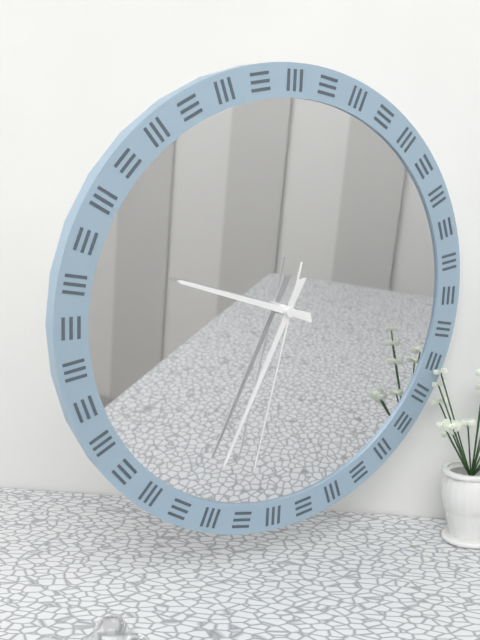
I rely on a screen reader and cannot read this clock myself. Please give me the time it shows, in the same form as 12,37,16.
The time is 9,34,32
